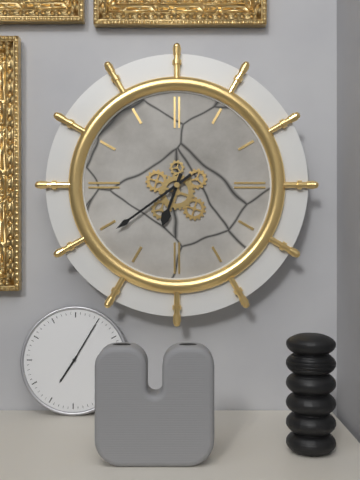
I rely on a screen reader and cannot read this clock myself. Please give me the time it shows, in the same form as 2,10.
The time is 6,39
